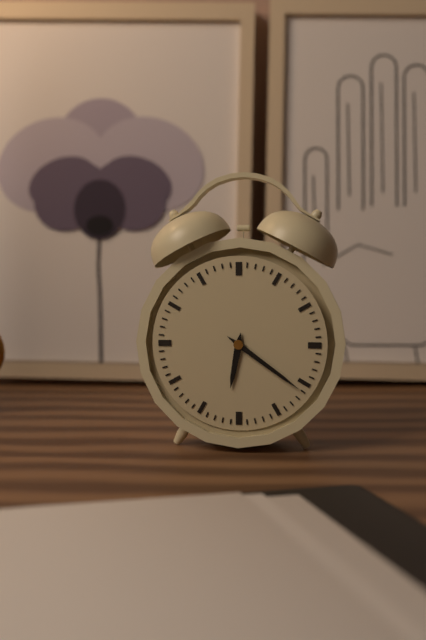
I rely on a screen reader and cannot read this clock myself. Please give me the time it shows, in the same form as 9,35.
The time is 6,21
